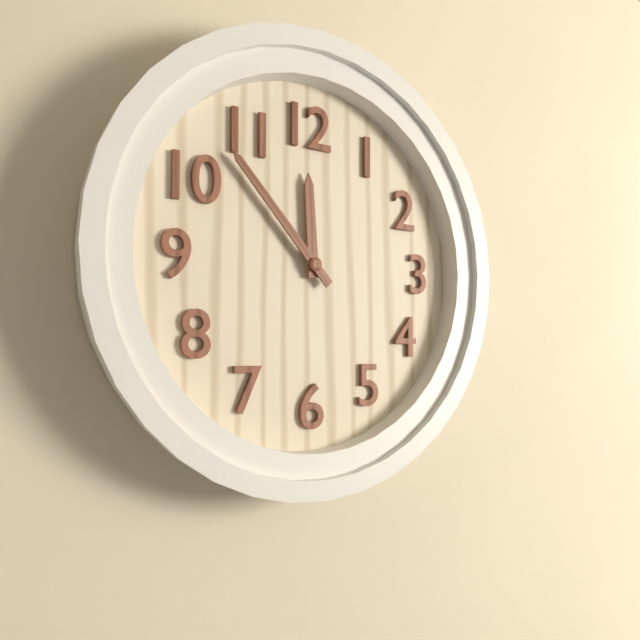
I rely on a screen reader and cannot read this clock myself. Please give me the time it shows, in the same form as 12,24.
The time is 11,53
